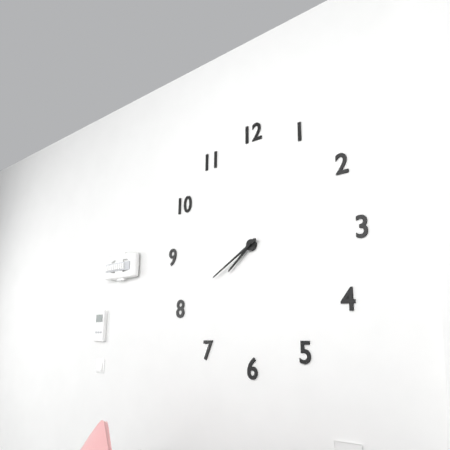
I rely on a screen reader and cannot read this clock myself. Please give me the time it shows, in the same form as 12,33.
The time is 7,40
